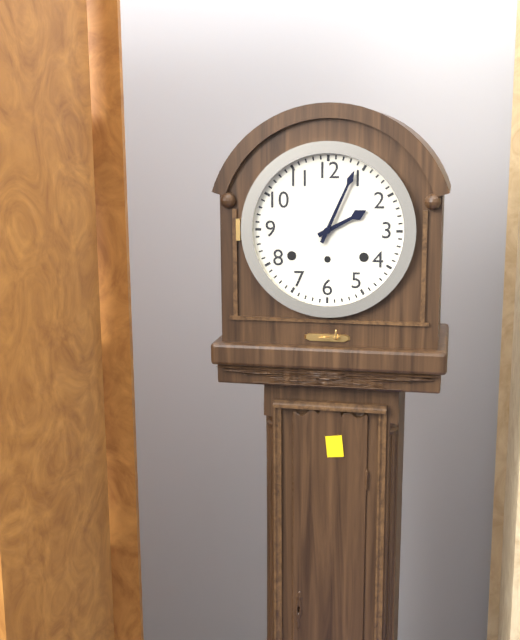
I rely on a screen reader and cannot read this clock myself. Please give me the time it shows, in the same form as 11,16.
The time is 2,04
